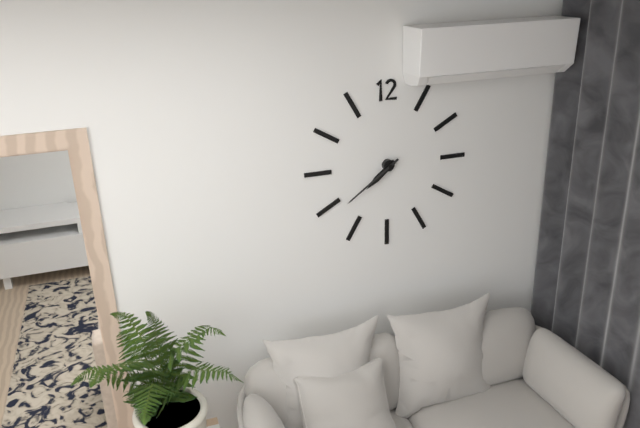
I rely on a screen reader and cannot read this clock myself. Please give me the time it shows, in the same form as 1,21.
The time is 7,39
